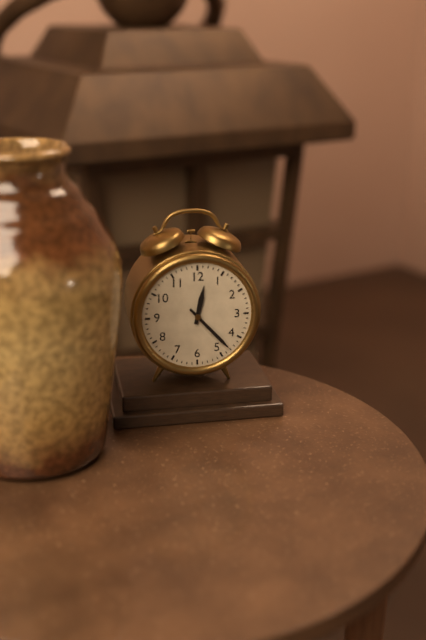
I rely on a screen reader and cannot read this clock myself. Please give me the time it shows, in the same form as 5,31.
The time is 12,23
